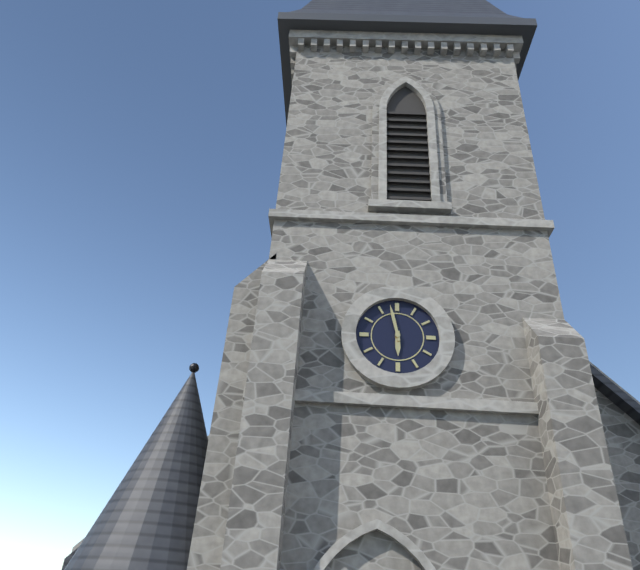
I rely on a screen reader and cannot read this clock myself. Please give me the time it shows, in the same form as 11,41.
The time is 5,58
